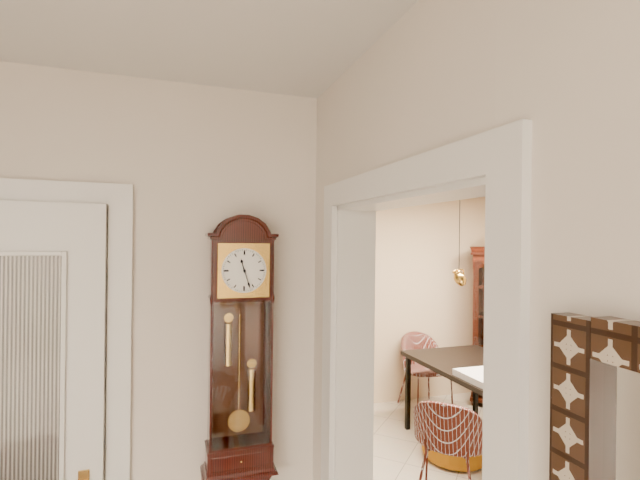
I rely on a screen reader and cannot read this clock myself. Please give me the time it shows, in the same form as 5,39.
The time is 11,27
